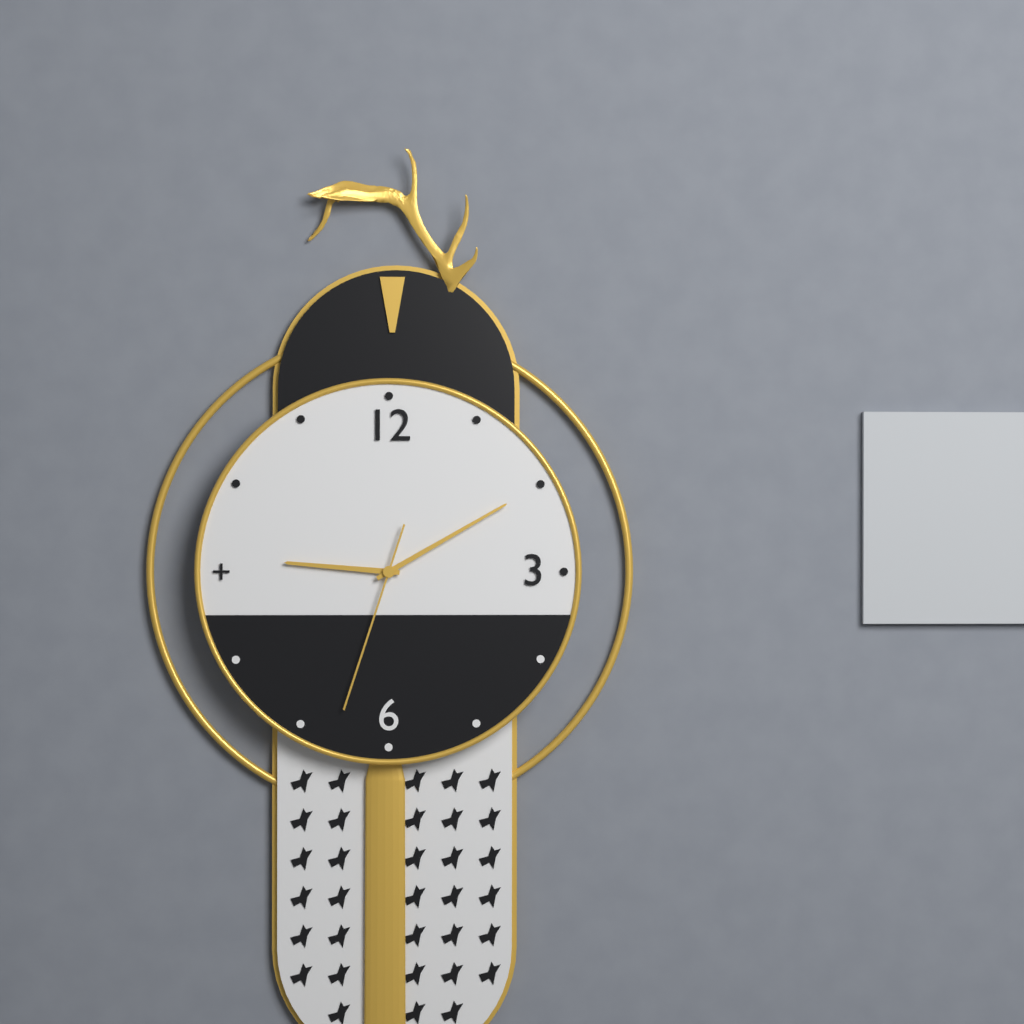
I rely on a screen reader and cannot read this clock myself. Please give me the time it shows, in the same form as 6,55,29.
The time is 9,10,33
